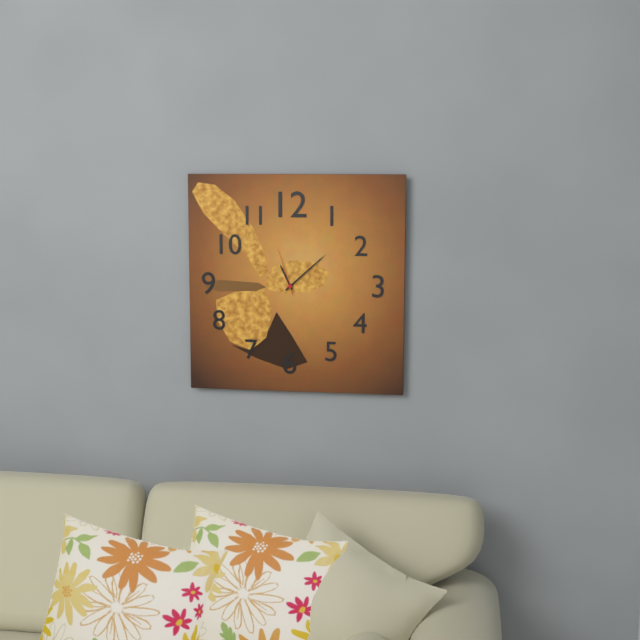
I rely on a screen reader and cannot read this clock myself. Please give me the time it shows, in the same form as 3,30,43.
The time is 11,08,57
